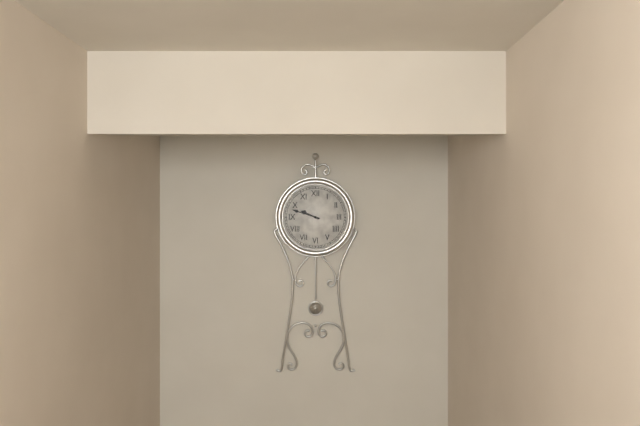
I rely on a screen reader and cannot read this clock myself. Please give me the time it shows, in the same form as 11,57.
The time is 9,48
